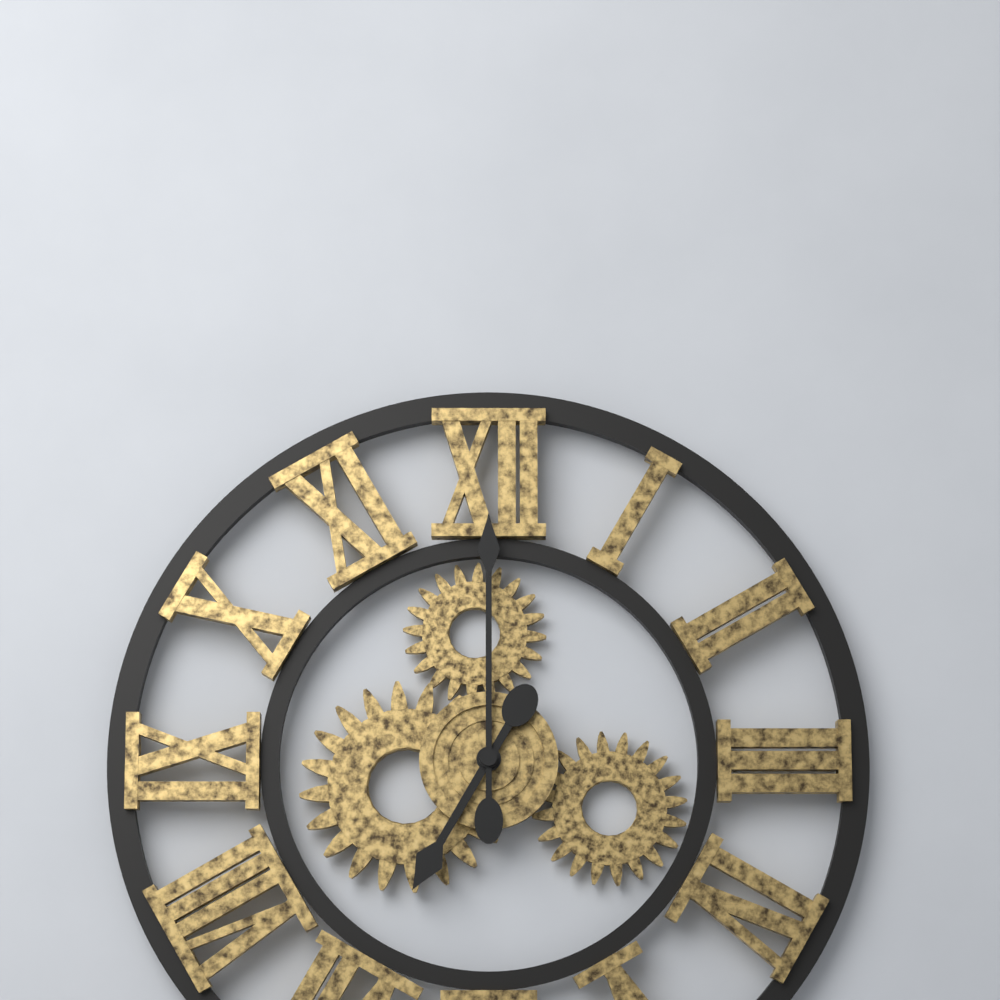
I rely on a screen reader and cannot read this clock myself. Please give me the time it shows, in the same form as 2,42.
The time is 7,00
